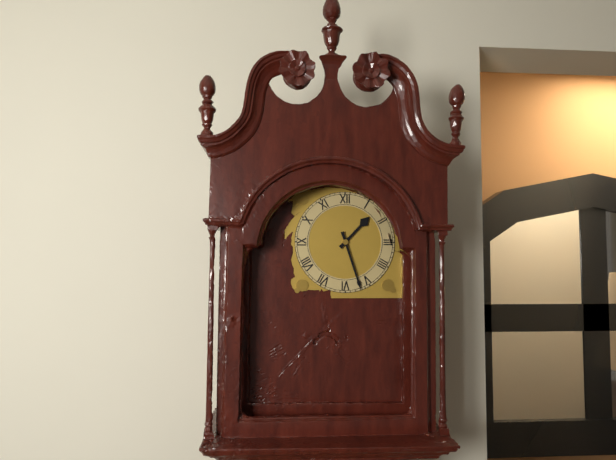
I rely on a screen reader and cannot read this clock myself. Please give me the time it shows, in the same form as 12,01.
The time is 1,27
